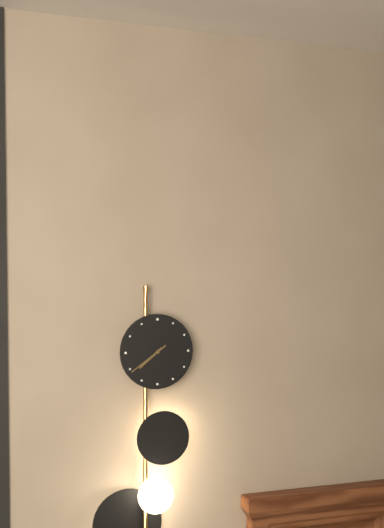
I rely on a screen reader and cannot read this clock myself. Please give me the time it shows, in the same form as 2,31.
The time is 7,39
